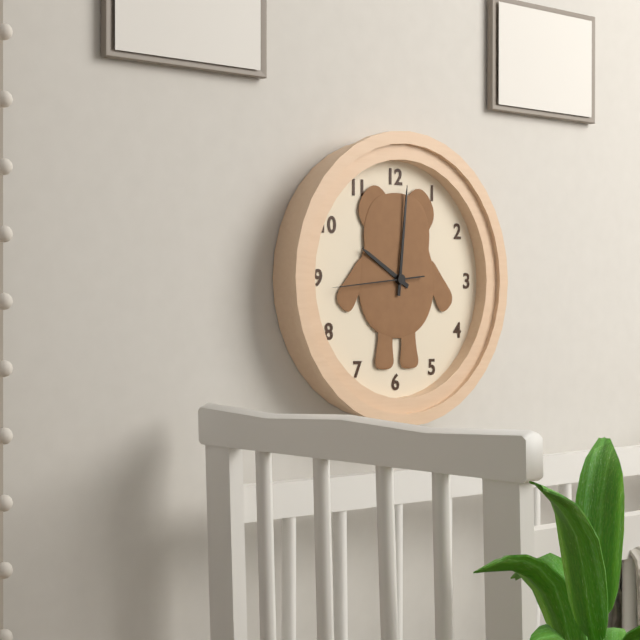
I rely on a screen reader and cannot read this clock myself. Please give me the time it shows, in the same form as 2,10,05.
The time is 10,01,44
